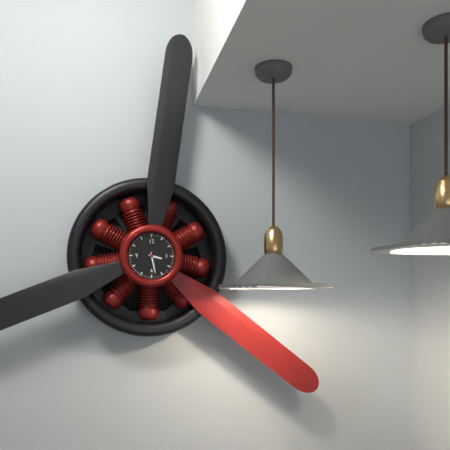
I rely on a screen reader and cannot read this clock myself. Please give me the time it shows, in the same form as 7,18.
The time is 3,28
